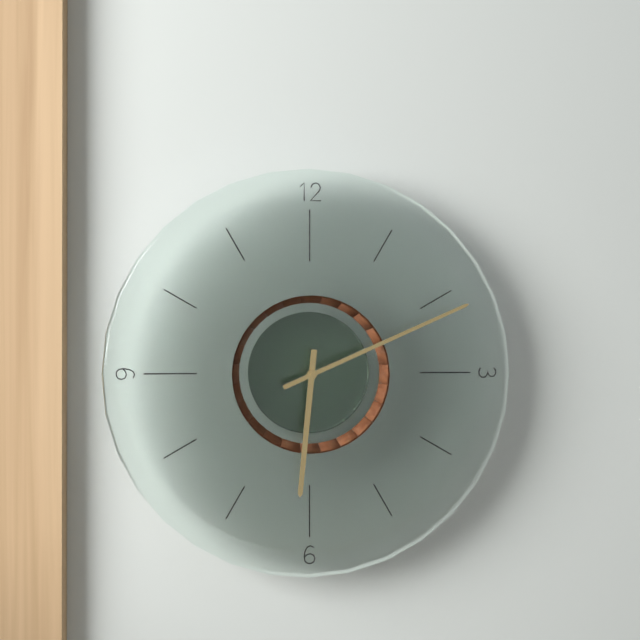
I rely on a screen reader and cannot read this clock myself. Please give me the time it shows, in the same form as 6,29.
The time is 6,11
